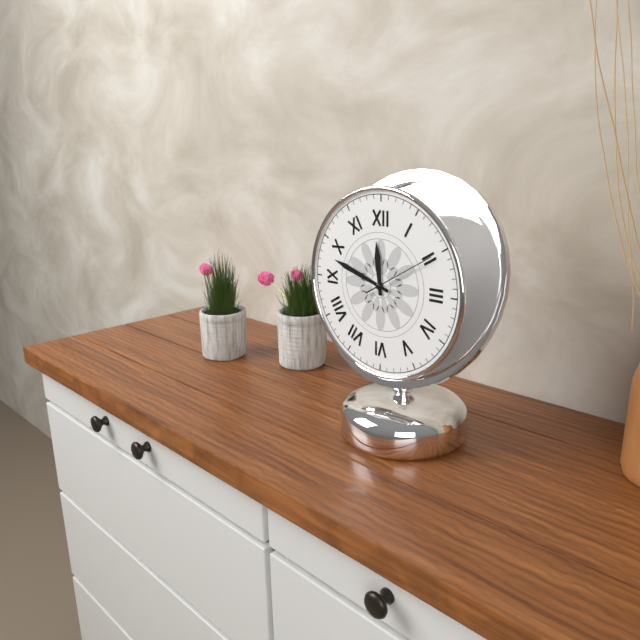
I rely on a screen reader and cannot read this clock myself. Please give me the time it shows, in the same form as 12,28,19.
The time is 11,48,10
